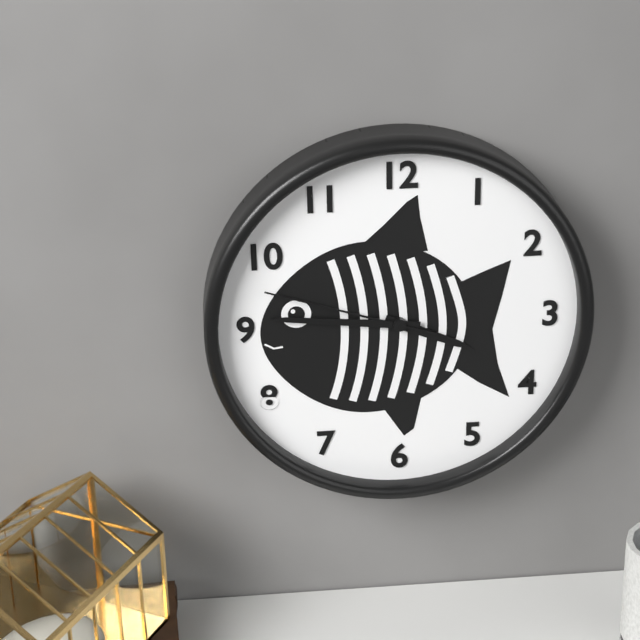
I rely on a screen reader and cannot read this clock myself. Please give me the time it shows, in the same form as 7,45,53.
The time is 3,46,48
